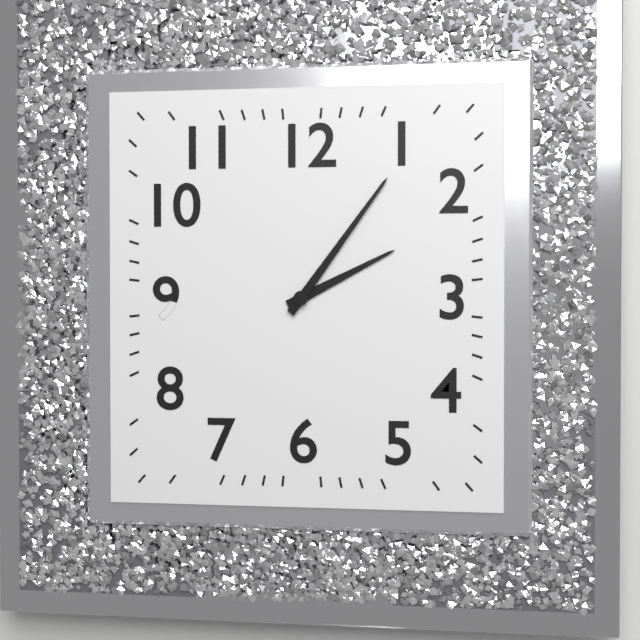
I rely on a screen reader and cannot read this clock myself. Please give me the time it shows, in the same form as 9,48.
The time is 2,06
